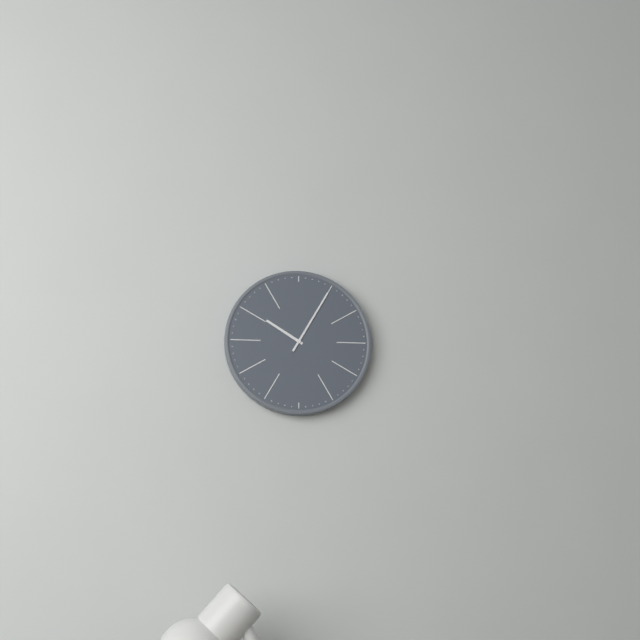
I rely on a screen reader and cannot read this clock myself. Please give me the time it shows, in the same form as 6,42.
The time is 10,05
